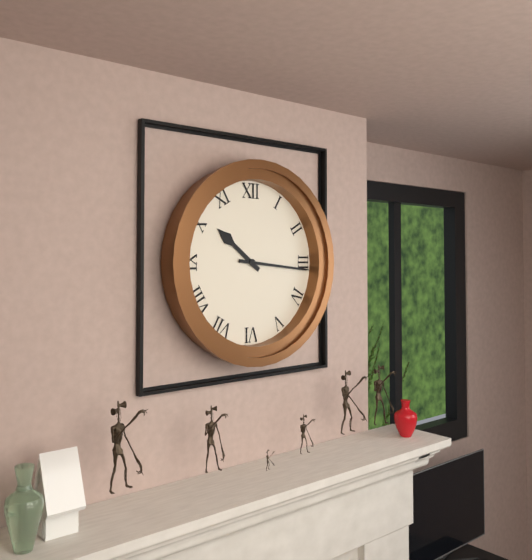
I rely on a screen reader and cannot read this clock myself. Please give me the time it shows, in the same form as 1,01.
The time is 10,16
